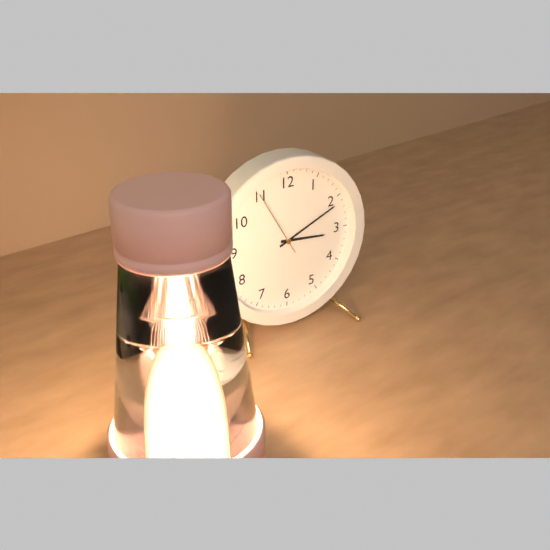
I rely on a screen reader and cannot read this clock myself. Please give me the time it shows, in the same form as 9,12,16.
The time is 3,11,55
